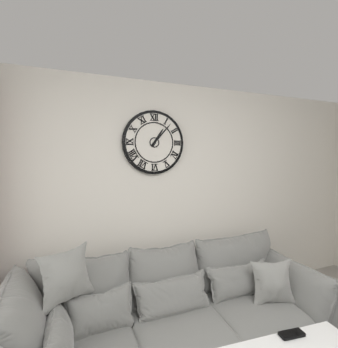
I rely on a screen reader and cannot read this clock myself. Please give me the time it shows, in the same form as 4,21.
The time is 1,07
